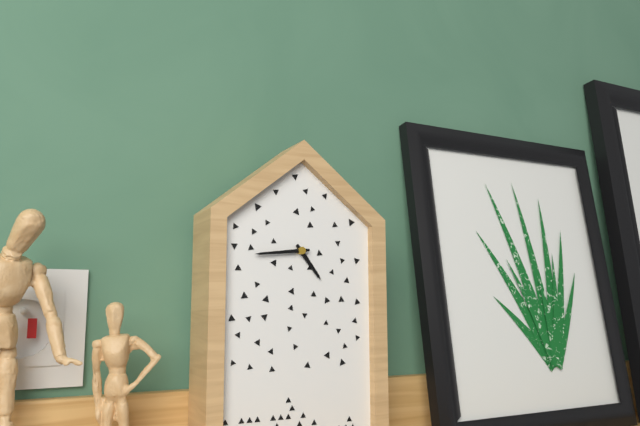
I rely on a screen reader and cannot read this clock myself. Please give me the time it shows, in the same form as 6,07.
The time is 4,44
